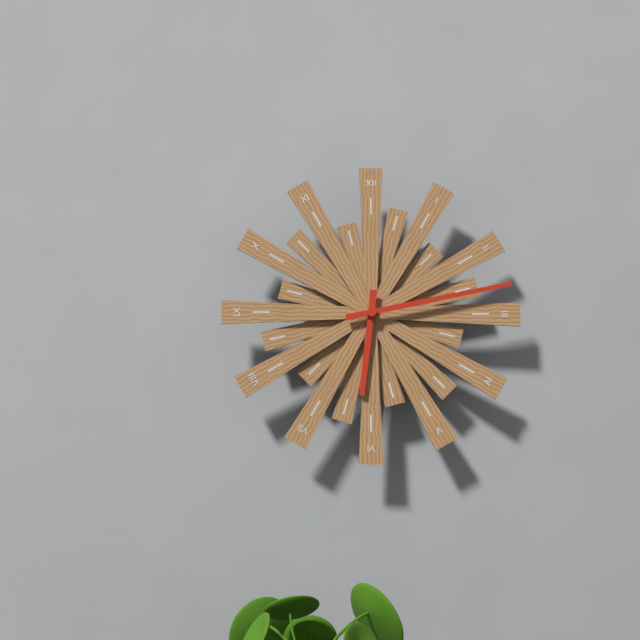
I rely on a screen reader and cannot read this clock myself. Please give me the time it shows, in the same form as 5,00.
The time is 6,13
